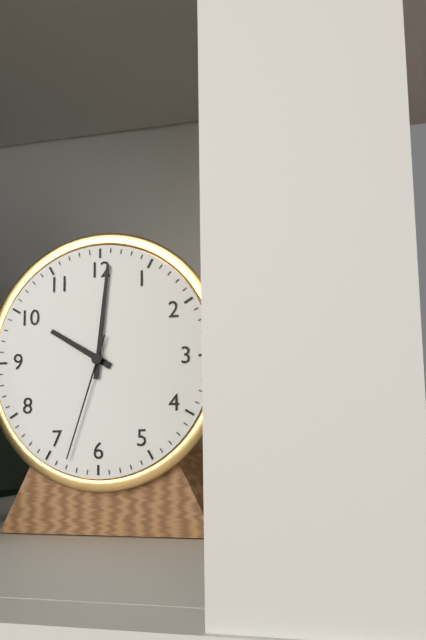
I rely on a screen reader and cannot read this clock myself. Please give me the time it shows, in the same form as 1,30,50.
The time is 10,01,33
